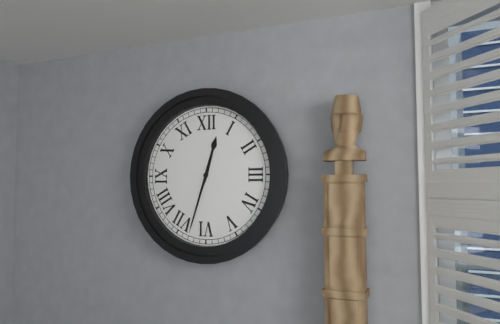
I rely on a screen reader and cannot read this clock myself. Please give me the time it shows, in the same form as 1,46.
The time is 12,33
